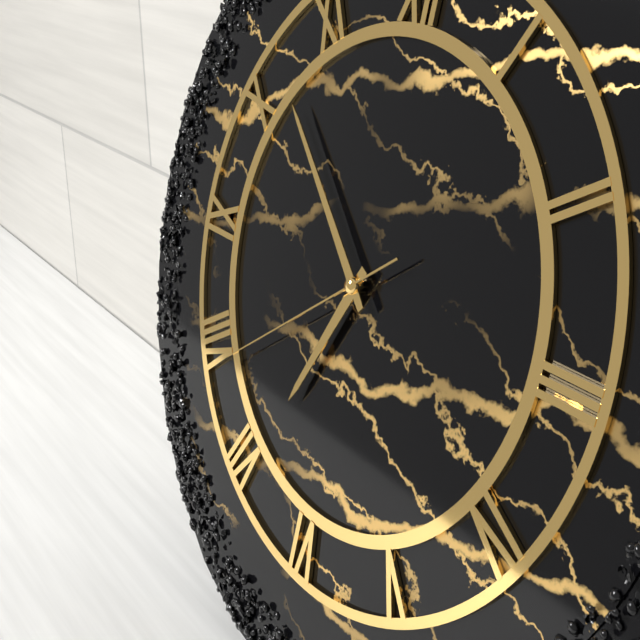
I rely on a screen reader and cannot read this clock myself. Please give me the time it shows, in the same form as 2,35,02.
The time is 6,52,39
